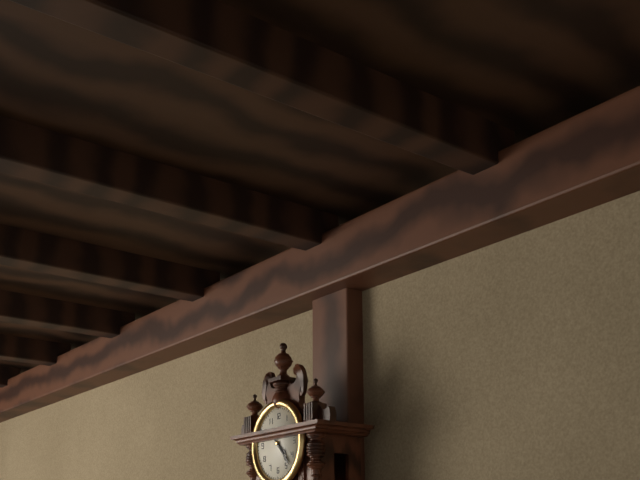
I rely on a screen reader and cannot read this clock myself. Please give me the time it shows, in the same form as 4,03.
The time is 4,23
